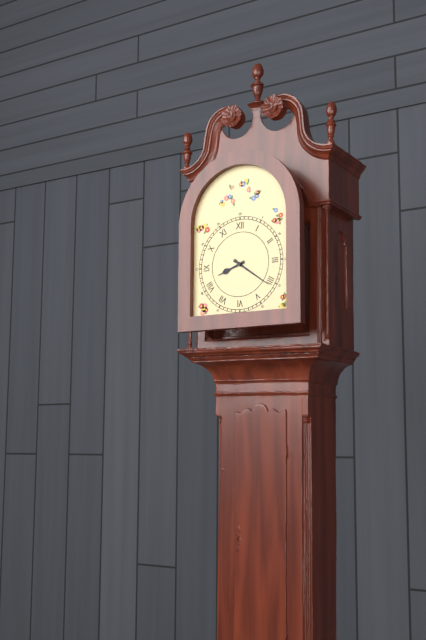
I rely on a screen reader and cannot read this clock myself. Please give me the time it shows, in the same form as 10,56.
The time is 8,21
